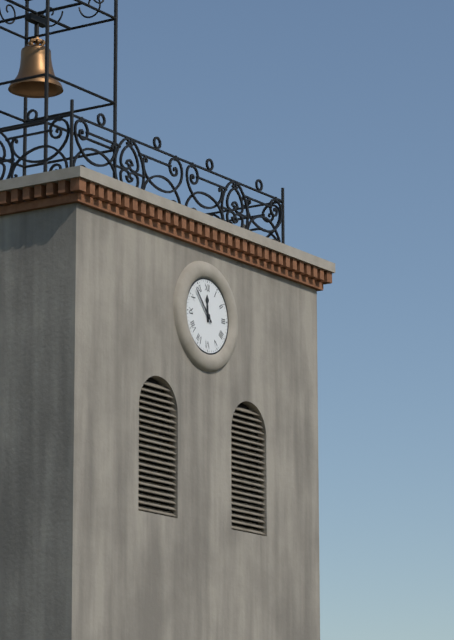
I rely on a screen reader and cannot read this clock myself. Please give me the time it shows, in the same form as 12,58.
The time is 11,53
